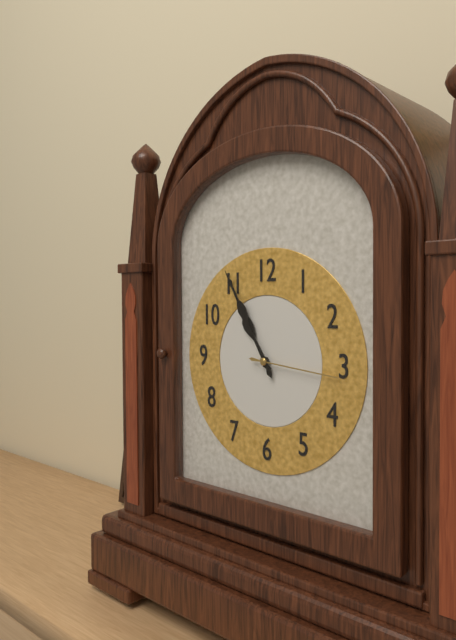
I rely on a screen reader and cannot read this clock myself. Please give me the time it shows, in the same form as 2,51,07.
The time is 10,55,16
